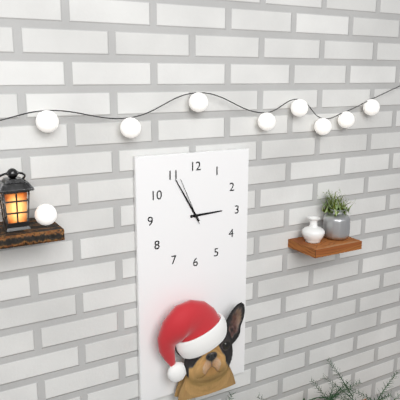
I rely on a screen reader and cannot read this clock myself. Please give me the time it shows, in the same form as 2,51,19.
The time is 2,55,56
